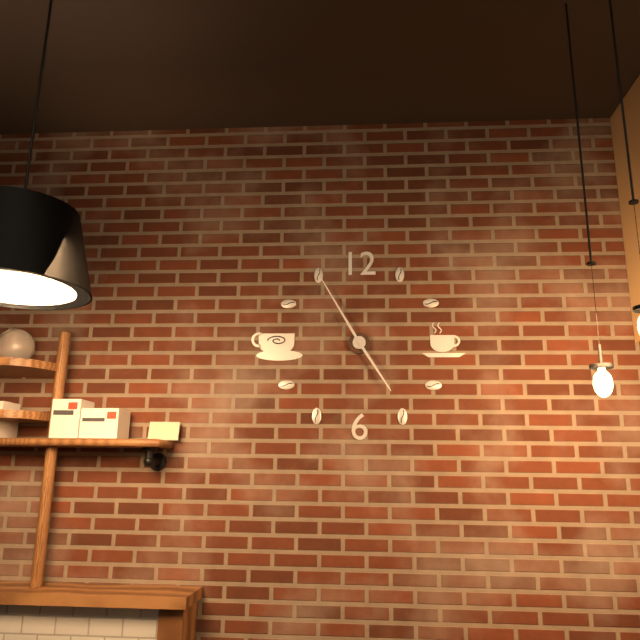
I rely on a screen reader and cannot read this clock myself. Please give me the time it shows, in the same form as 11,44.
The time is 4,55
